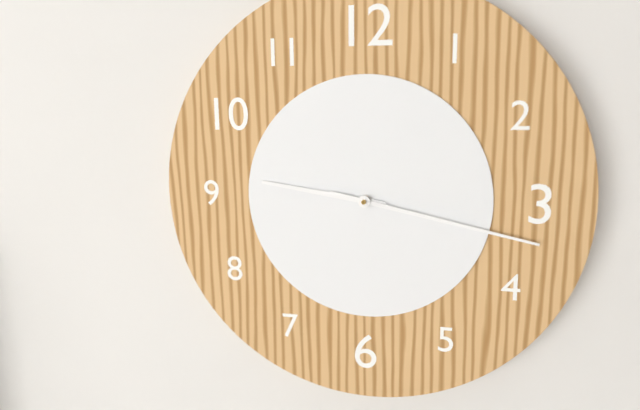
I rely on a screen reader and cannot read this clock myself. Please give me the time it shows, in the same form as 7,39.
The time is 9,17
